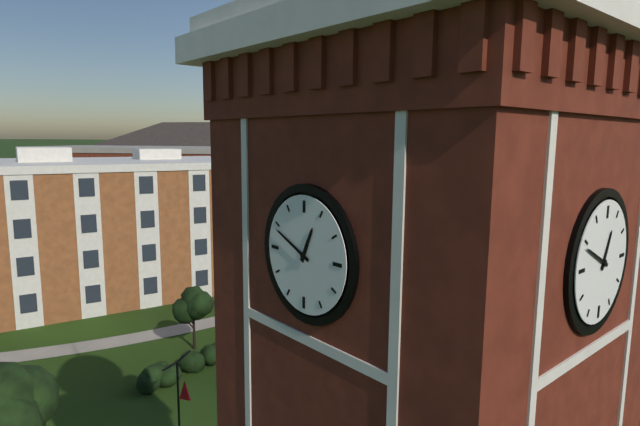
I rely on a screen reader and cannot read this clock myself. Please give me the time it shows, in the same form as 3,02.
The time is 12,49
